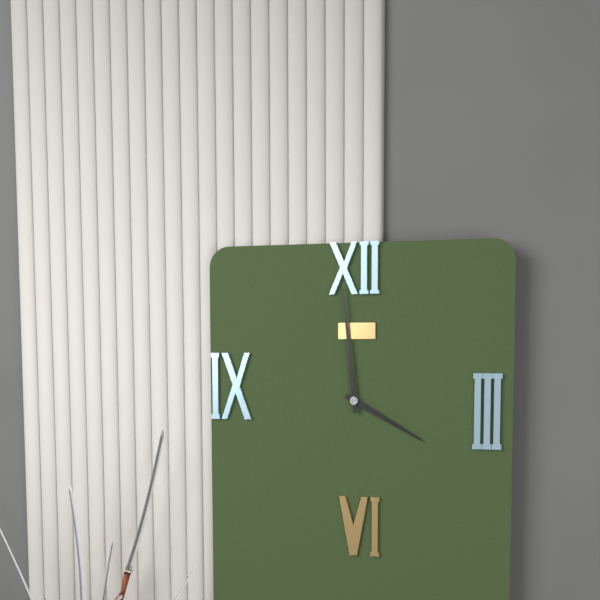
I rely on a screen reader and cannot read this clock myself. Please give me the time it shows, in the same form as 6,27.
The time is 3,59
